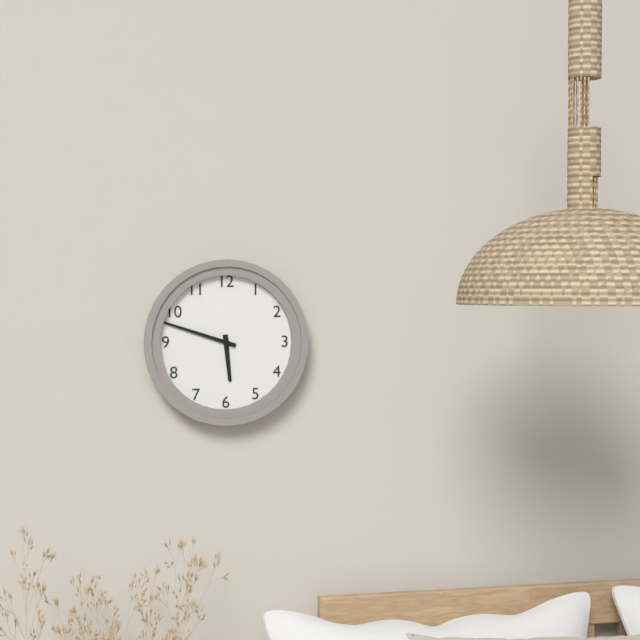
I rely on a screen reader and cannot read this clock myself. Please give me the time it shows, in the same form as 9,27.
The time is 5,48
